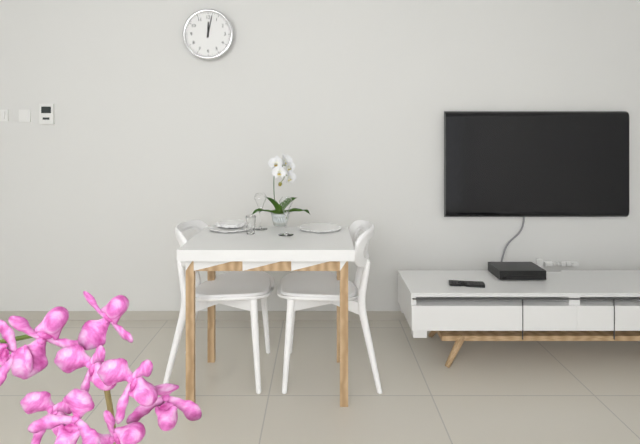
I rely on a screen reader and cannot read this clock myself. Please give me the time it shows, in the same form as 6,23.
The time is 12,02
